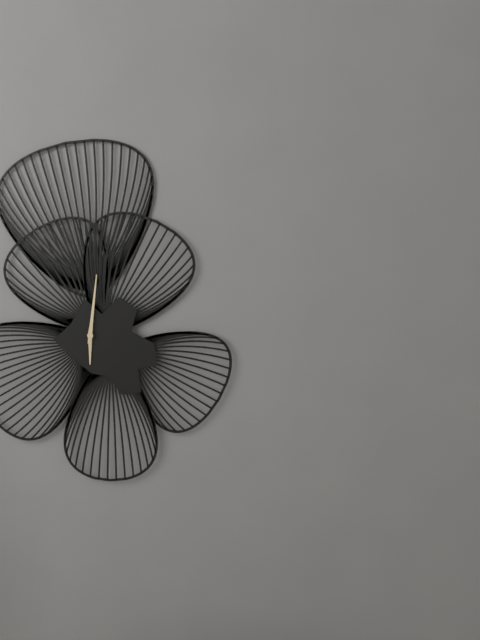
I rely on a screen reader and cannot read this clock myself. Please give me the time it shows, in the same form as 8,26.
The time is 6,01
